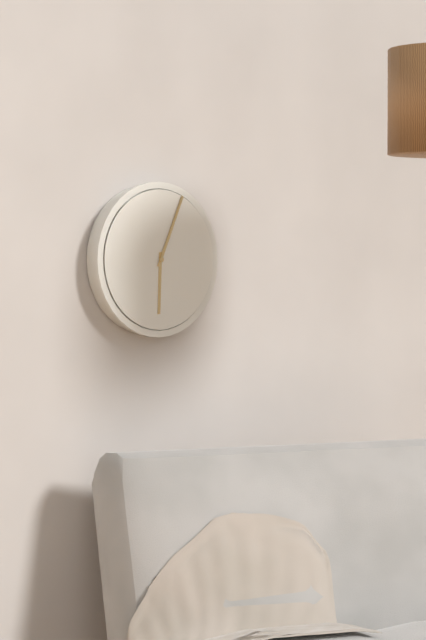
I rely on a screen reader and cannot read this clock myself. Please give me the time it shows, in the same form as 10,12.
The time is 6,04
